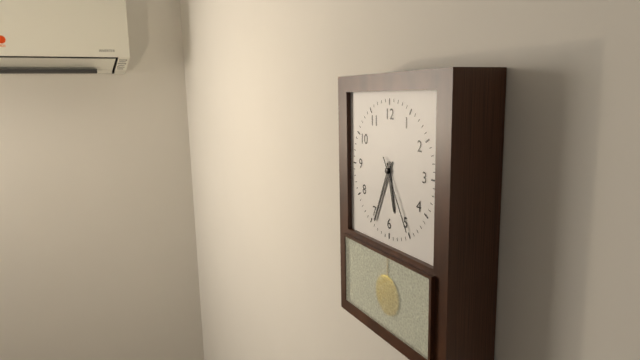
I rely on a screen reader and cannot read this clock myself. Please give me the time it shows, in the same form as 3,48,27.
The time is 5,34,25
